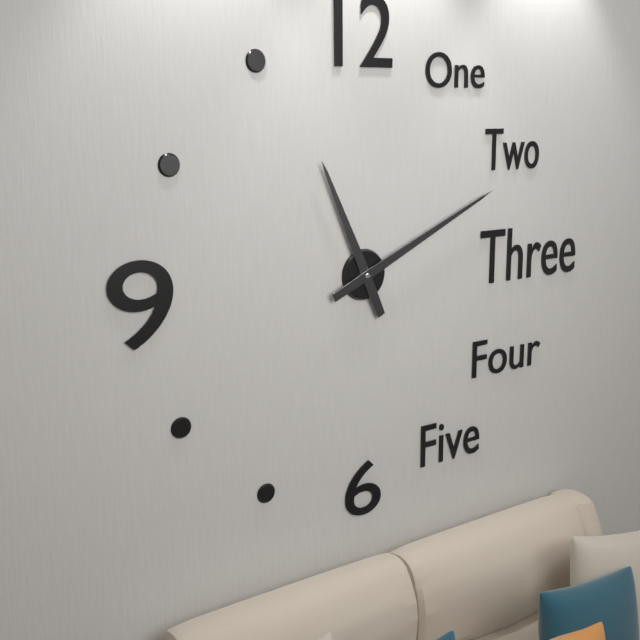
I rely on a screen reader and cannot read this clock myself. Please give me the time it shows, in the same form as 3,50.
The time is 11,11
